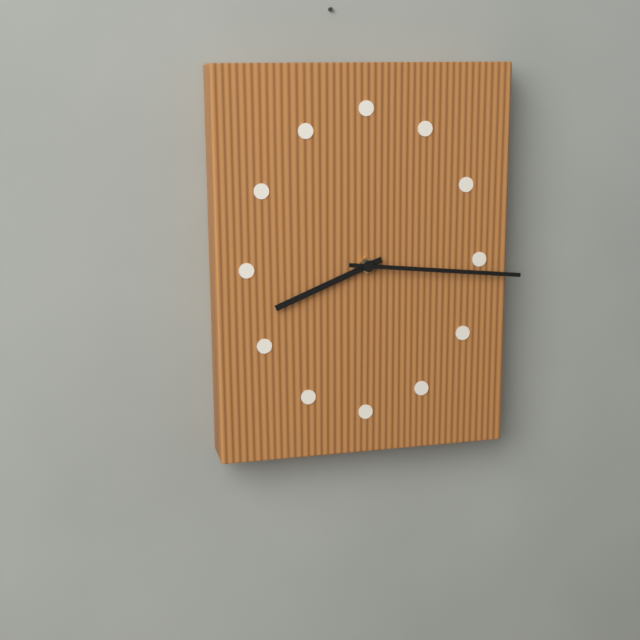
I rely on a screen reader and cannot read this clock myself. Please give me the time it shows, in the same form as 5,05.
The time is 8,16
